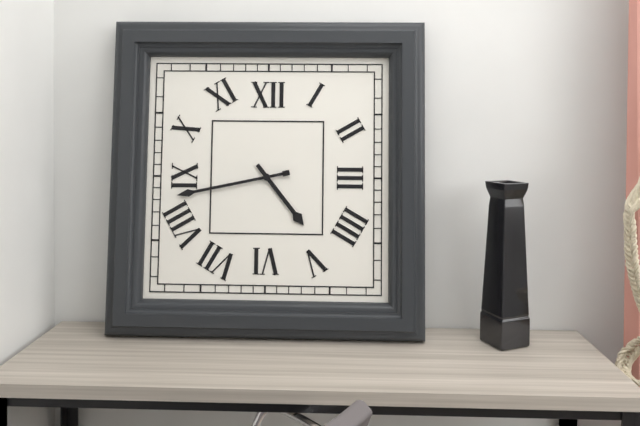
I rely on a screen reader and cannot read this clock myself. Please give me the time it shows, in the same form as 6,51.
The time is 4,43
